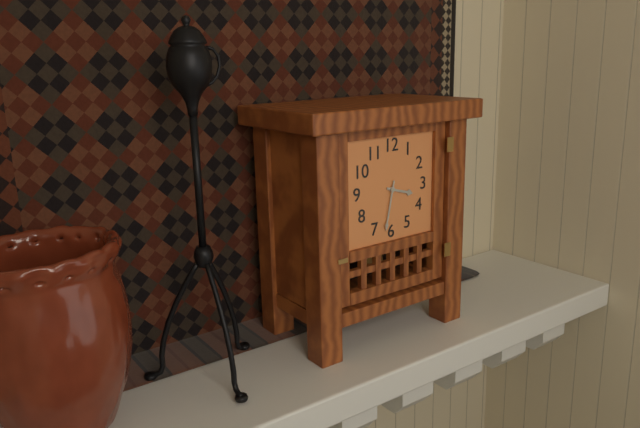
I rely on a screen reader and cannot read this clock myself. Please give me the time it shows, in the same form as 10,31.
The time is 3,32
